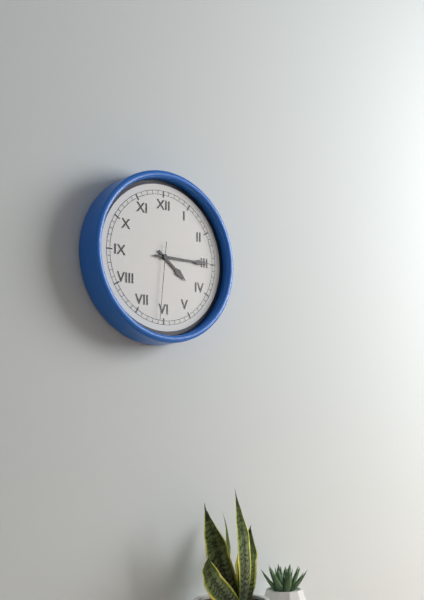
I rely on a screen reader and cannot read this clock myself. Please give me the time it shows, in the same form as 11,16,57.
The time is 4,15,31
